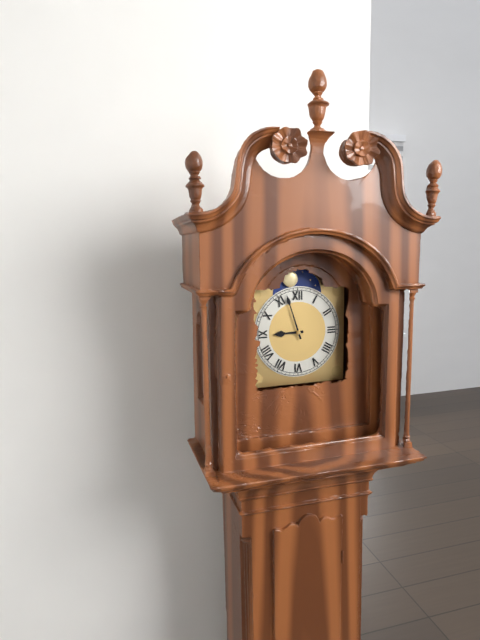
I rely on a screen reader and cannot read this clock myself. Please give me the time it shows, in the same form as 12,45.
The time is 8,57
